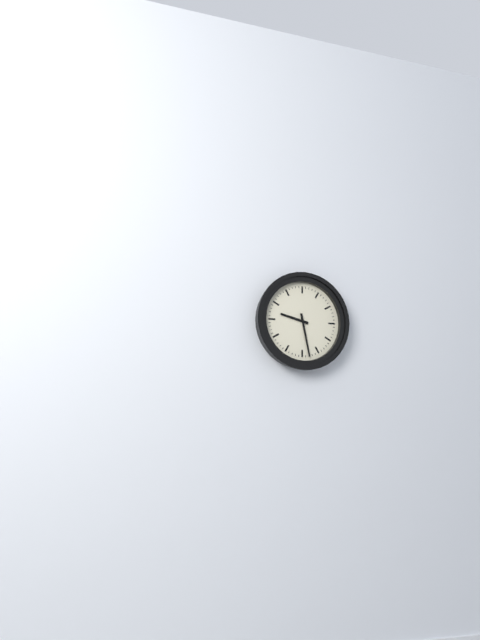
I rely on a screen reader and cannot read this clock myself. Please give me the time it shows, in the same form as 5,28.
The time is 9,28
